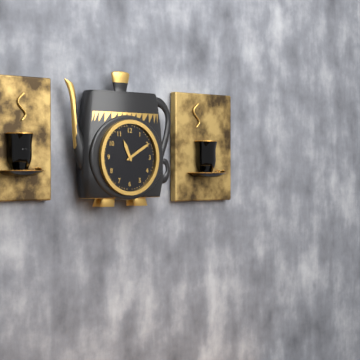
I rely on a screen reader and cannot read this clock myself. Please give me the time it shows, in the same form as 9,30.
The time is 11,10
